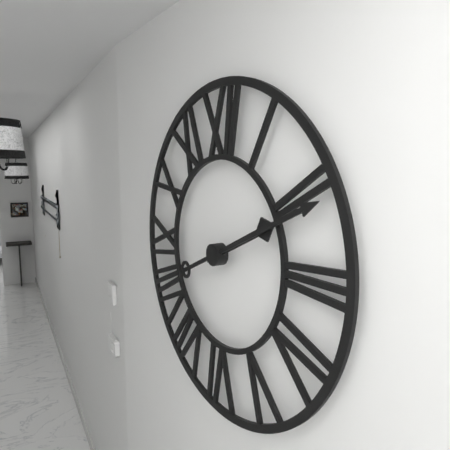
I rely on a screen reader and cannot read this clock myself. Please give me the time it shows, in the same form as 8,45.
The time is 2,11
